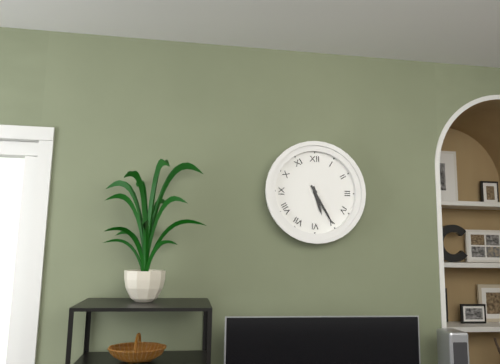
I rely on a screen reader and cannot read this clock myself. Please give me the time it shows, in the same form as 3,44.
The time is 5,25
